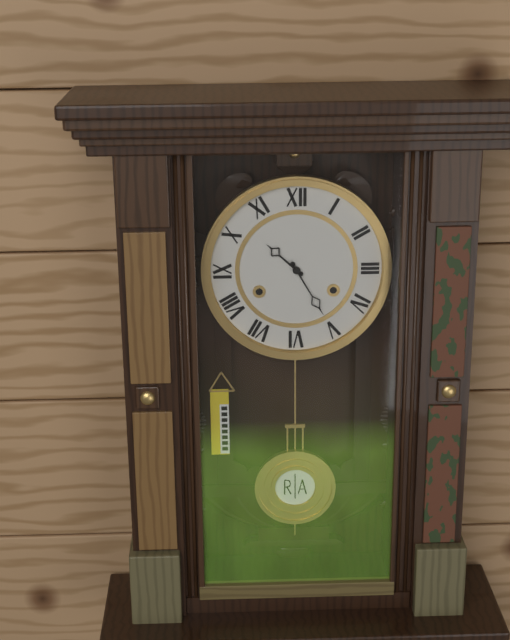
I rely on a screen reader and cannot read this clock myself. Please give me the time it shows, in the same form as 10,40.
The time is 10,25
